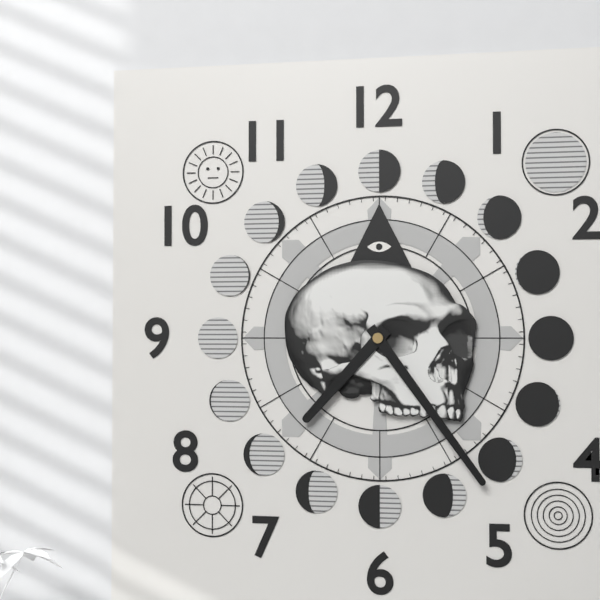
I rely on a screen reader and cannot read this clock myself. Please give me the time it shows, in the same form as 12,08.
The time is 7,24
